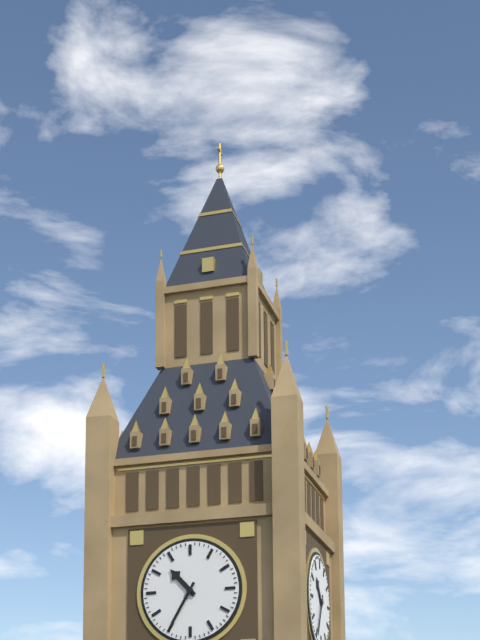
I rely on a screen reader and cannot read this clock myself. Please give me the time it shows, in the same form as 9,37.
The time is 10,35
